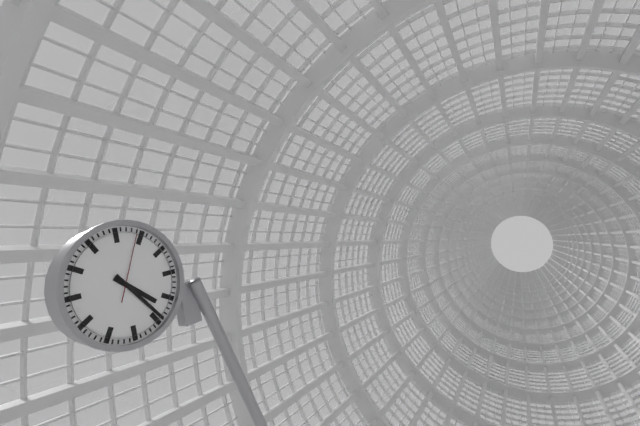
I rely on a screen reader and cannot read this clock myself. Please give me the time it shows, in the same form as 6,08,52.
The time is 4,24,04
